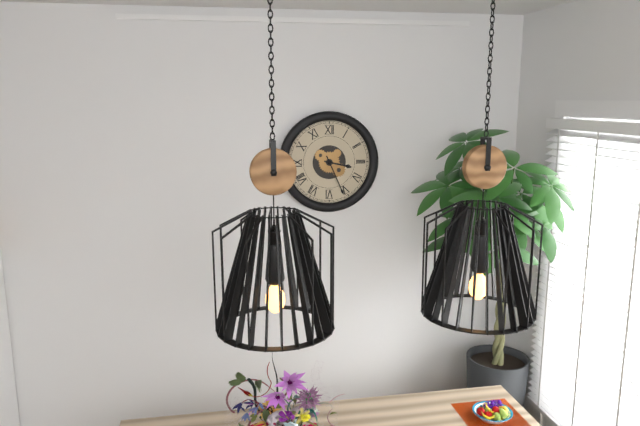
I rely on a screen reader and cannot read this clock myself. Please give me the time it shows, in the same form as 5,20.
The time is 3,26
